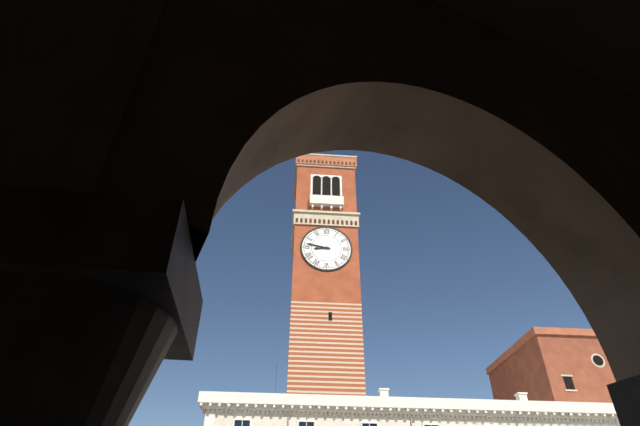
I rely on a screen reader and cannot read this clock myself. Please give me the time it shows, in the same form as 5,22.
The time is 8,47
